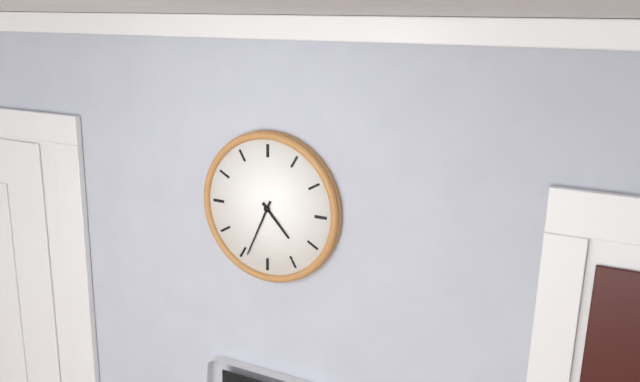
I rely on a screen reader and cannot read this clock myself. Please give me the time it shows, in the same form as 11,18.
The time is 4,34
